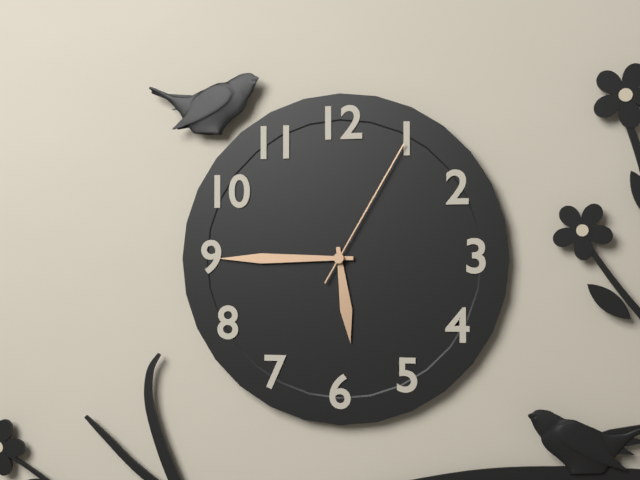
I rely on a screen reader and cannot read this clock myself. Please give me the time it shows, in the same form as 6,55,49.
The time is 5,45,05
